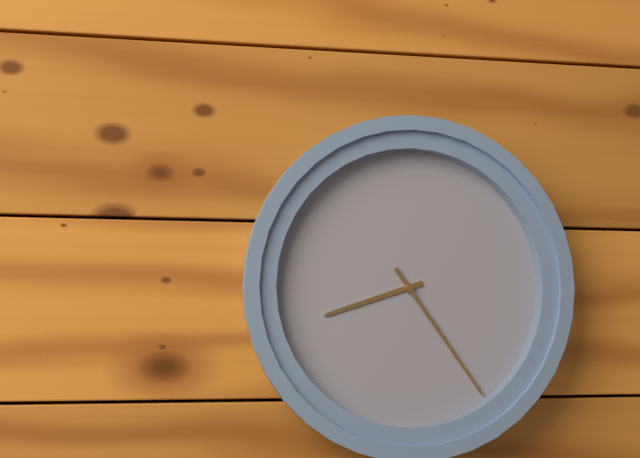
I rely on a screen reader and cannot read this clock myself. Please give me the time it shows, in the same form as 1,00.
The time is 8,24
